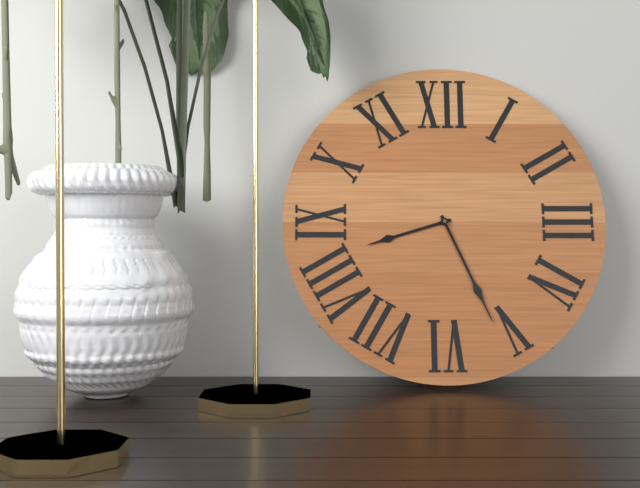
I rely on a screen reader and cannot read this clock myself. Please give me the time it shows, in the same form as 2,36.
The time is 8,26
